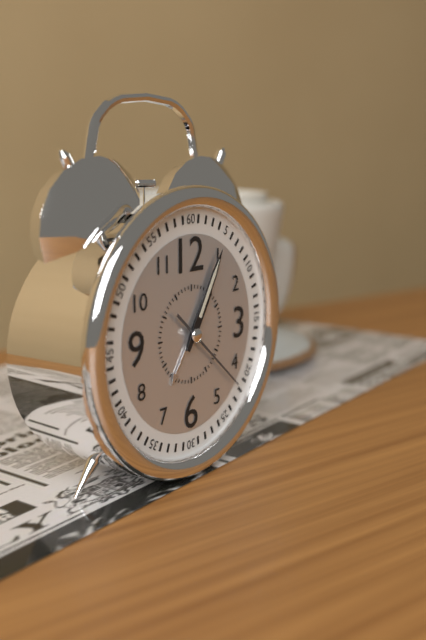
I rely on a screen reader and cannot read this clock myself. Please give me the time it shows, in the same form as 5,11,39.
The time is 1,05,22
